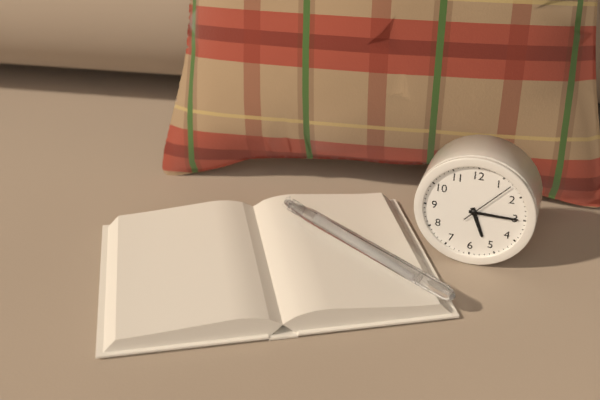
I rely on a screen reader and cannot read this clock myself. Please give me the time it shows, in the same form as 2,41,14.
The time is 5,15,07
